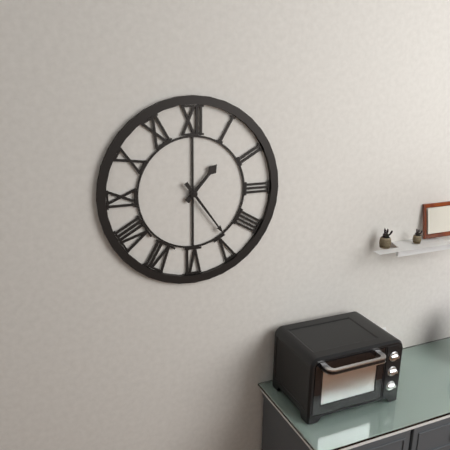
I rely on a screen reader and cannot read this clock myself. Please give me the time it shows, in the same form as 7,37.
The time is 1,24
